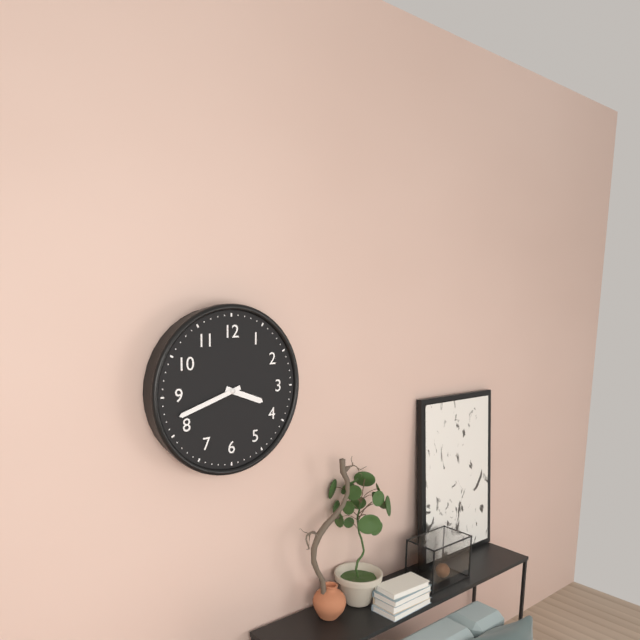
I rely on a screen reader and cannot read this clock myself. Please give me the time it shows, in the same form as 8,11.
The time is 3,42
